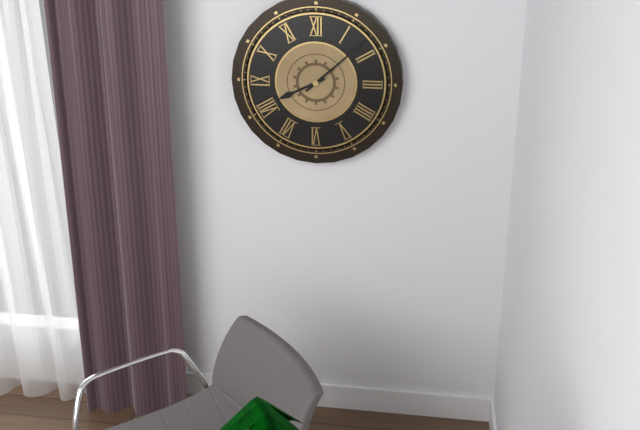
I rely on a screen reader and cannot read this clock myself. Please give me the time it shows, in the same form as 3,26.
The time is 8,08
